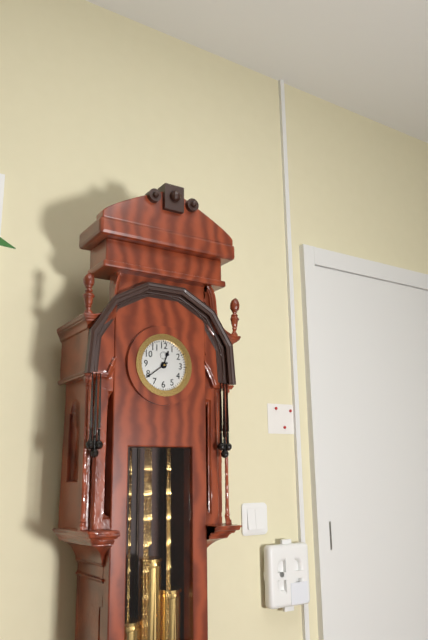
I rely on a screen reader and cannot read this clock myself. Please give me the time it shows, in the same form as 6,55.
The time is 12,39
